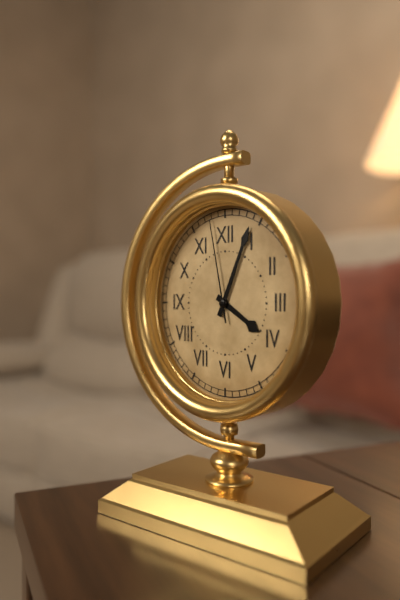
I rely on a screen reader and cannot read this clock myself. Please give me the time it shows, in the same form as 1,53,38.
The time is 4,04,58
